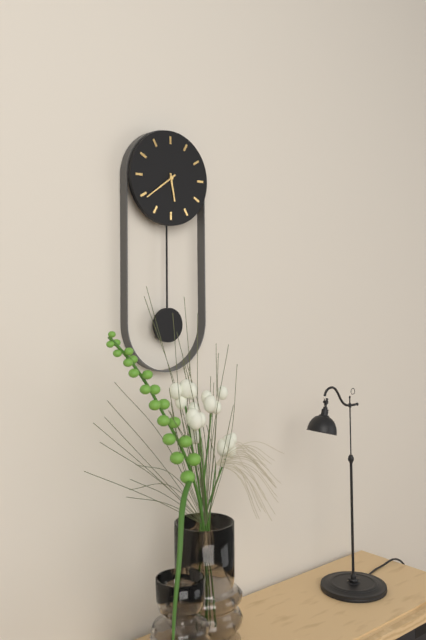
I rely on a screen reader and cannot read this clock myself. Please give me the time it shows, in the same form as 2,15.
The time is 5,39
